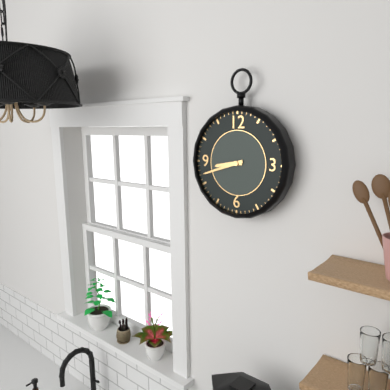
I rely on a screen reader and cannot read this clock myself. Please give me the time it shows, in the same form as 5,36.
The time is 8,42
